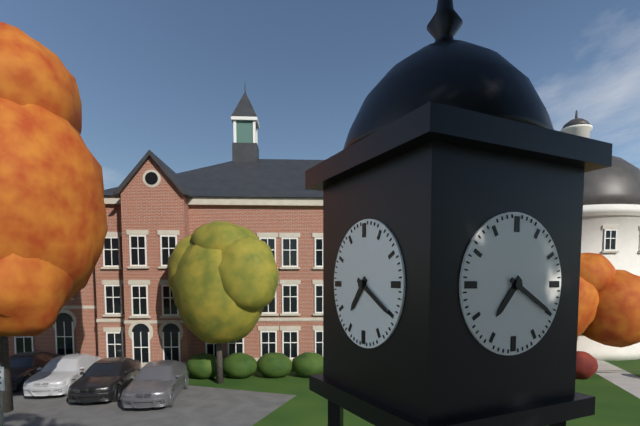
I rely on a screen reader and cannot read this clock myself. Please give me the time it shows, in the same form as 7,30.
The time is 7,20
